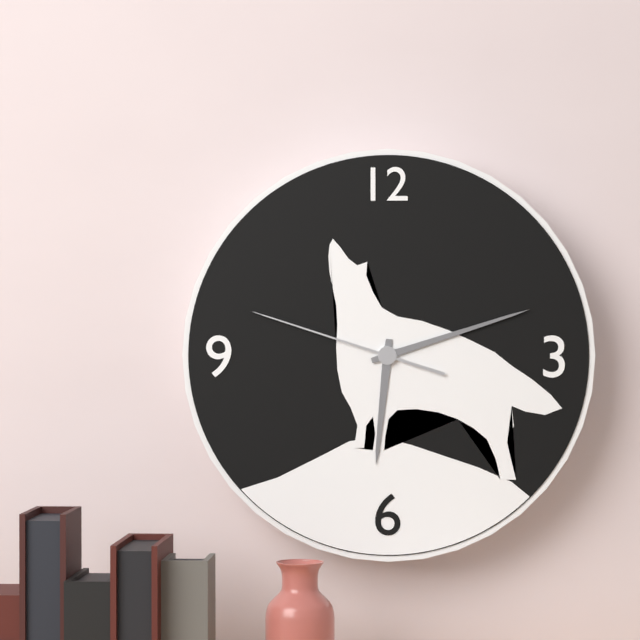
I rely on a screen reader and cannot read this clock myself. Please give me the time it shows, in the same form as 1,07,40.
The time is 6,12,48
